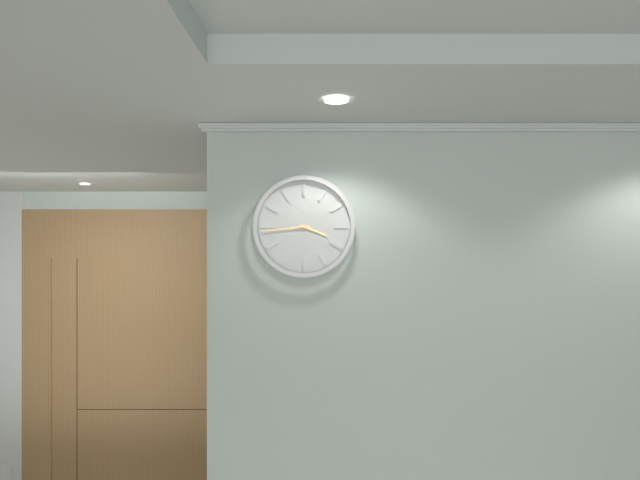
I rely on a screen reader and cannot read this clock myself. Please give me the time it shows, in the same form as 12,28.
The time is 3,44
